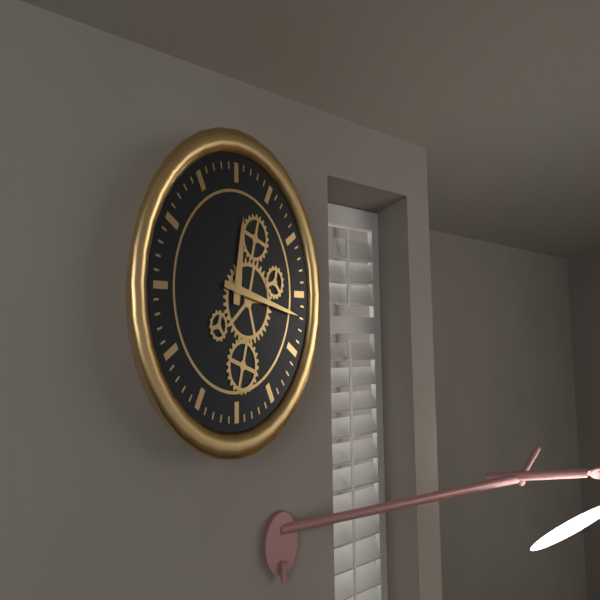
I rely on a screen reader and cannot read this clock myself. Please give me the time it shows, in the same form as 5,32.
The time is 12,17
